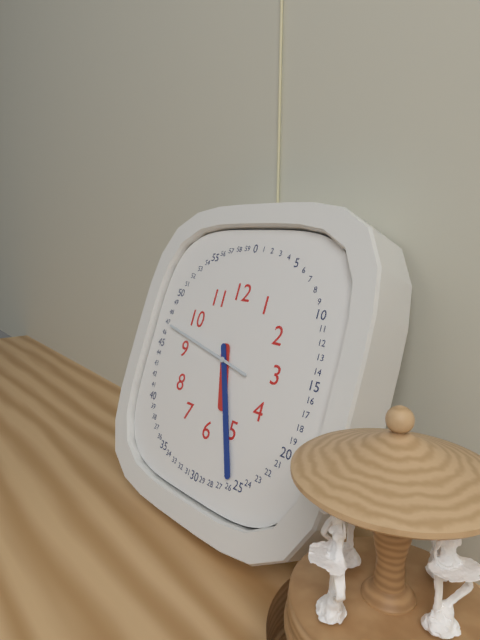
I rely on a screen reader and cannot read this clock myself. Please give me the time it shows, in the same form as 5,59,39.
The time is 5,26,47
